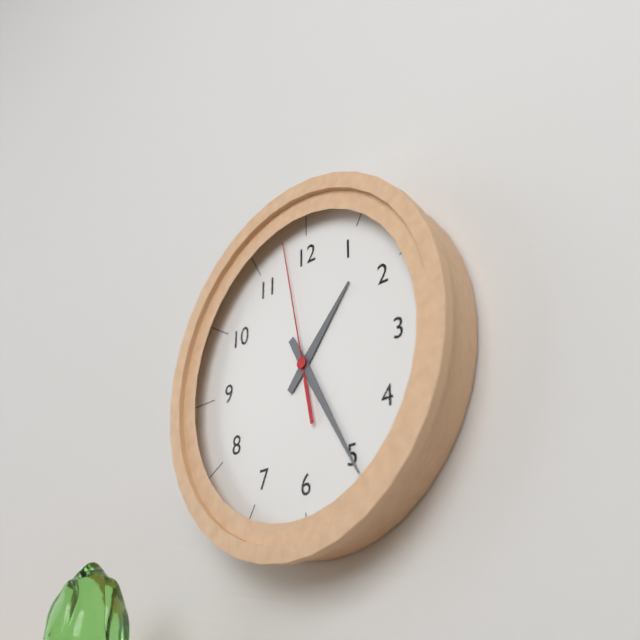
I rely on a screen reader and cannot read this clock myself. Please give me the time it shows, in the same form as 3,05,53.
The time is 1,25,58
